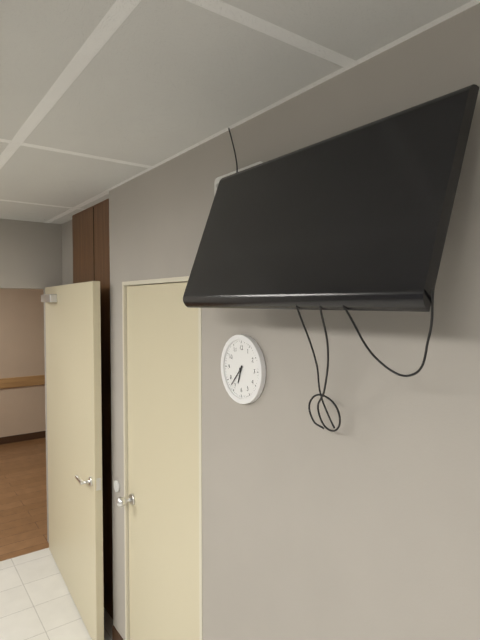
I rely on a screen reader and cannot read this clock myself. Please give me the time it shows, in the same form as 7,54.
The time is 6,37
